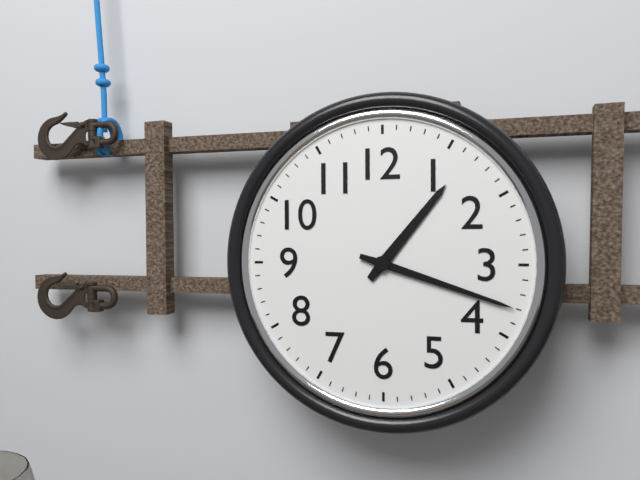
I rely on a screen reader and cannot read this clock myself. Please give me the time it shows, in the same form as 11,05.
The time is 1,18
